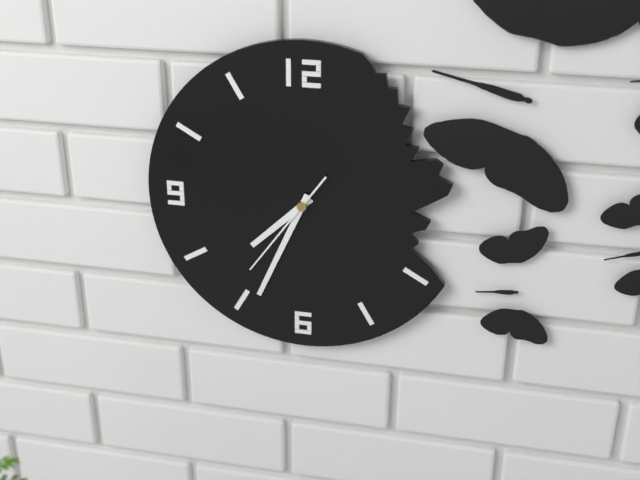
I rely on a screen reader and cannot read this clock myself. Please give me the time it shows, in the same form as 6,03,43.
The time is 7,34,36
